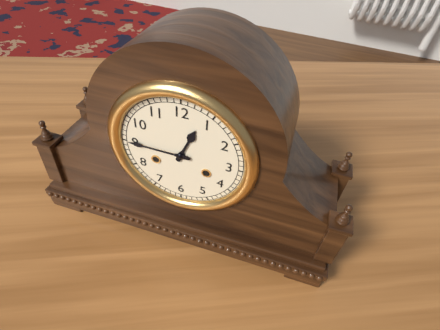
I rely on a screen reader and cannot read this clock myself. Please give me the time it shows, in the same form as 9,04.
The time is 12,45
